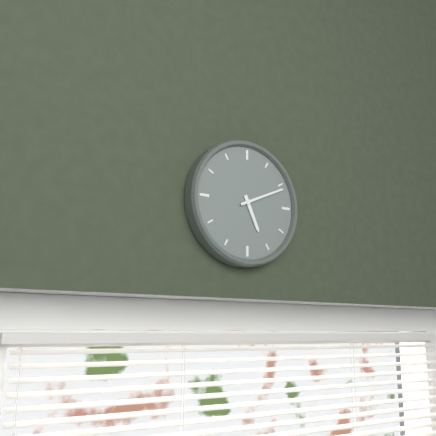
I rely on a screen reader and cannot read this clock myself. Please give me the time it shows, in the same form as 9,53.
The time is 5,11
